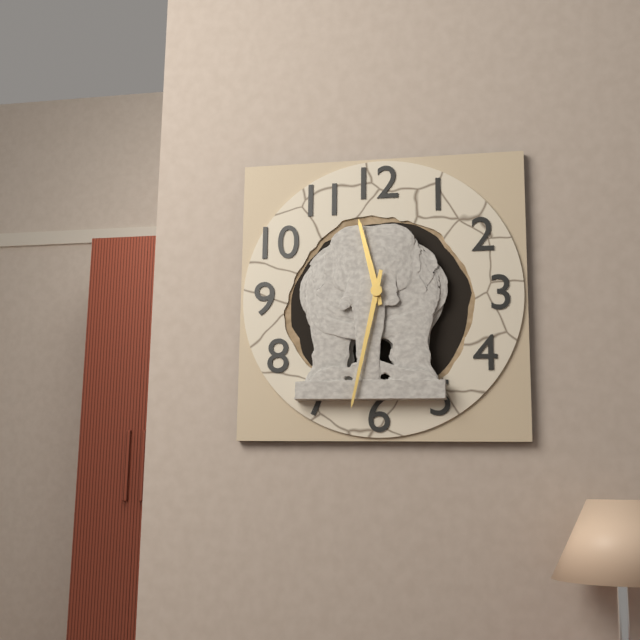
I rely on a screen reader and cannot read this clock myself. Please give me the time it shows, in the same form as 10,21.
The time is 11,32
